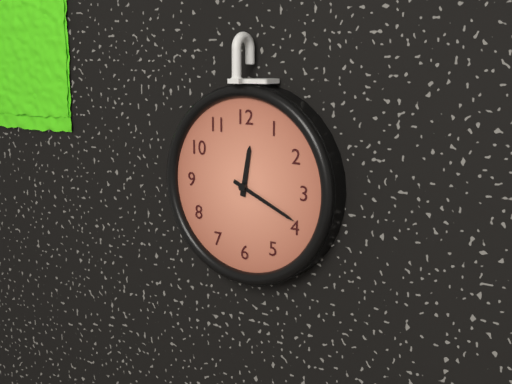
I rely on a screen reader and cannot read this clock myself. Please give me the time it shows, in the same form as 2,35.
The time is 12,19
